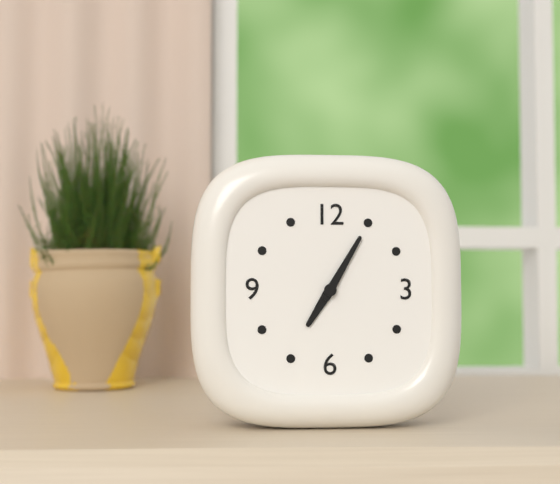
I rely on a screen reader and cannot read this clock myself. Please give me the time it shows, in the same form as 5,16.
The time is 7,05
